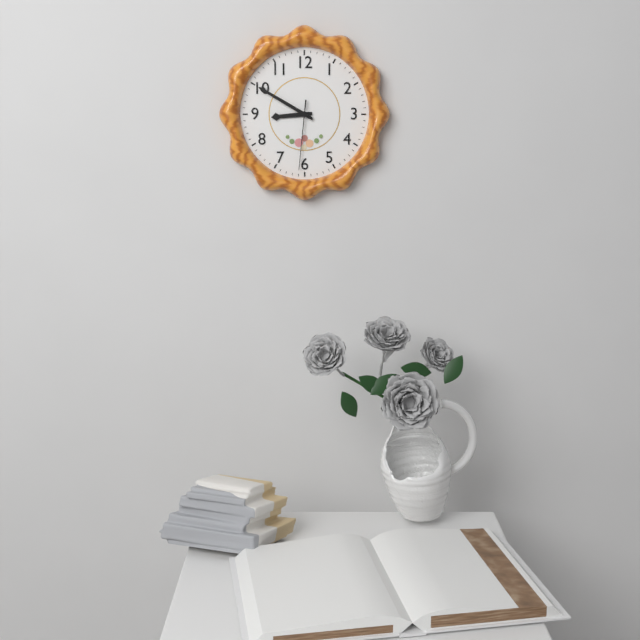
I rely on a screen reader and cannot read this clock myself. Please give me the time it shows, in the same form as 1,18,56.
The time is 8,50,31
